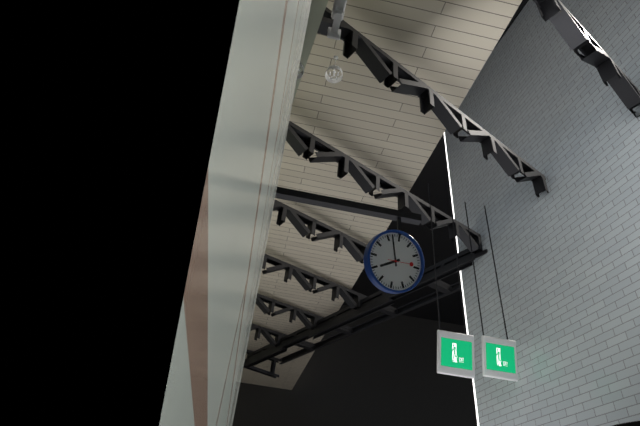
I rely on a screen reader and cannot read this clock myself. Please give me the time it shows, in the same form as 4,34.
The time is 7,57
